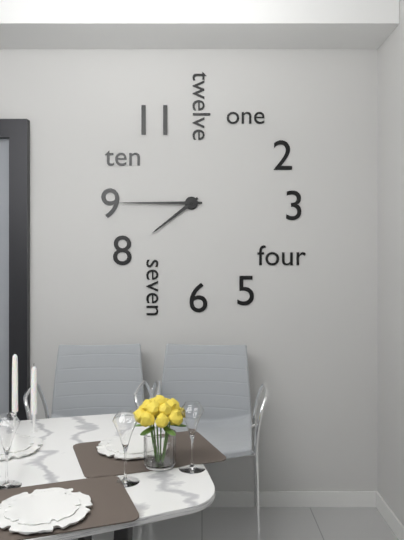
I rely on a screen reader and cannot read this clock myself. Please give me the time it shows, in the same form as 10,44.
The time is 7,45
